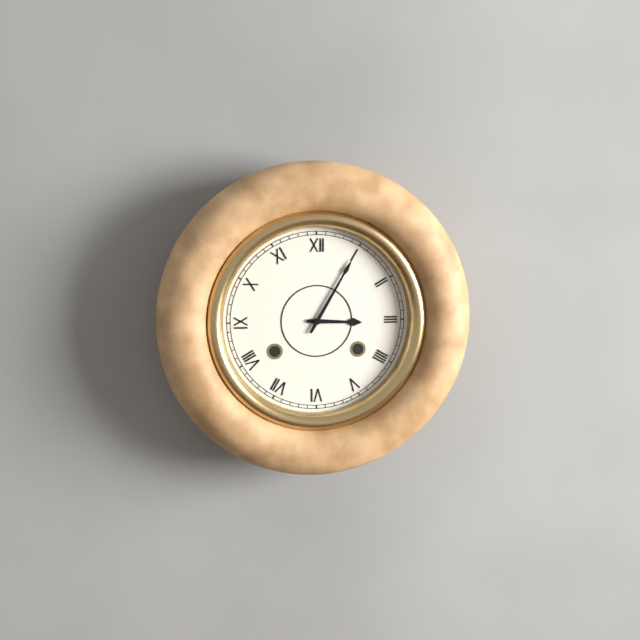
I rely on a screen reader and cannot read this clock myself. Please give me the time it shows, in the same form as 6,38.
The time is 3,05
